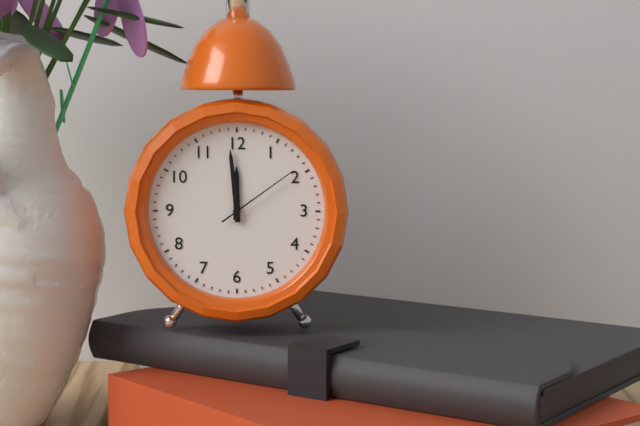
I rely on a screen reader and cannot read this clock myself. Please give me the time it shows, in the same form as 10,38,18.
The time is 11,59,09
